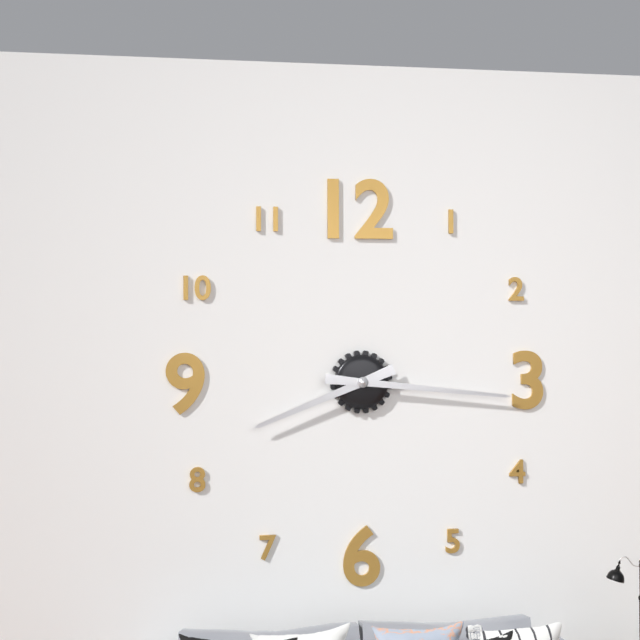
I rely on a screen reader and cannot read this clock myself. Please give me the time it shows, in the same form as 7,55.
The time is 8,16
